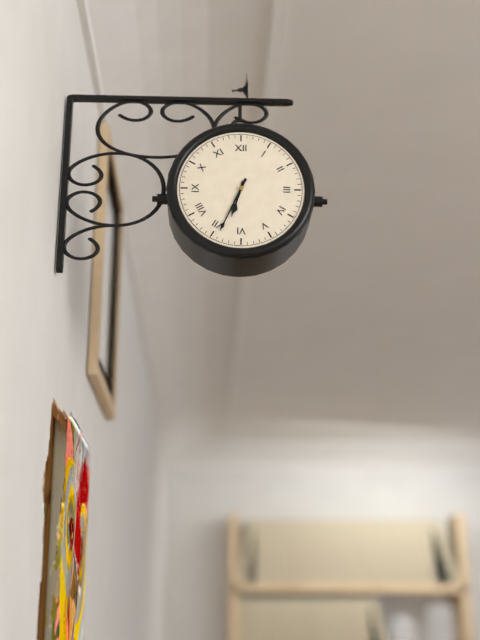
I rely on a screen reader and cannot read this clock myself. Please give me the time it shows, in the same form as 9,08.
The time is 6,34
